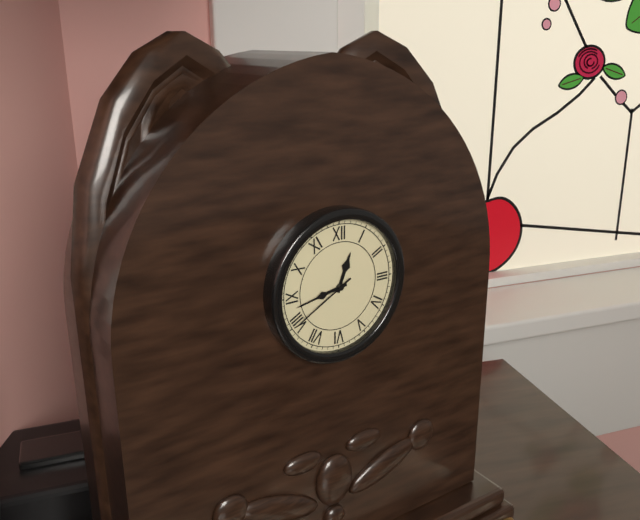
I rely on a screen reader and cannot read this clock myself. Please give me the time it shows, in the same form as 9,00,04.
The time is 12,43,40
